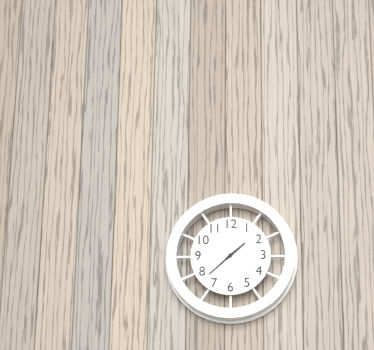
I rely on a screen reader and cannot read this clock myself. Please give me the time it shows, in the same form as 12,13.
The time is 1,38
